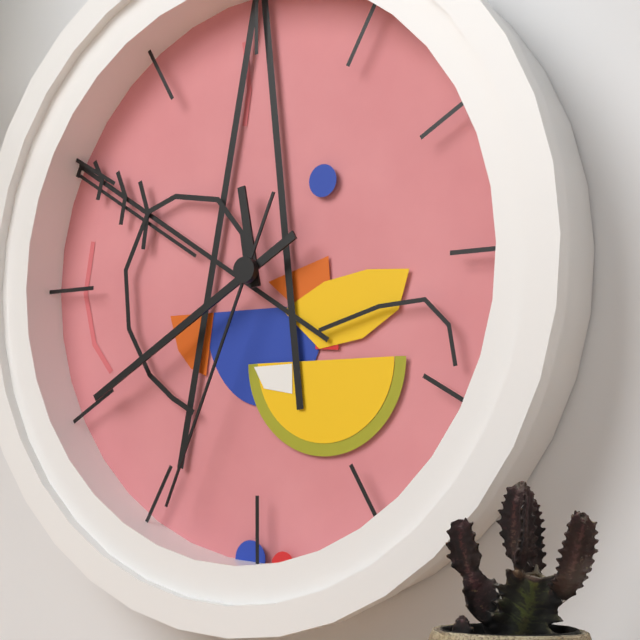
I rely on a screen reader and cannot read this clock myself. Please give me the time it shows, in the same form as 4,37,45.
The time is 11,40,34
